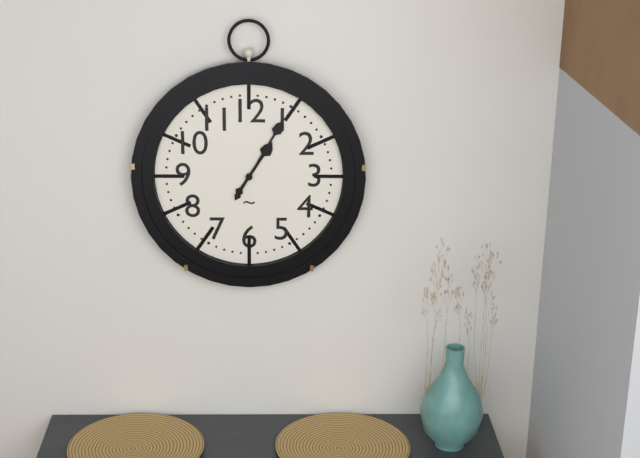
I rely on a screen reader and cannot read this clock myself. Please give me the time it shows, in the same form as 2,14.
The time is 1,05
